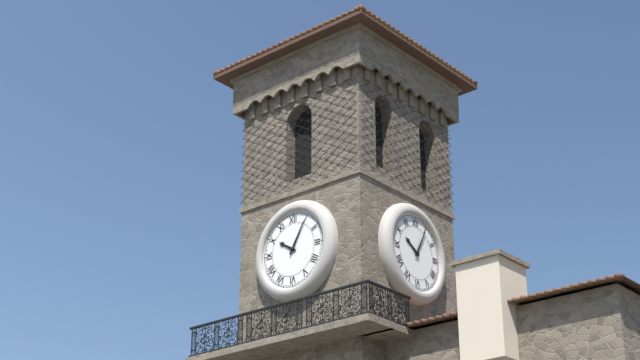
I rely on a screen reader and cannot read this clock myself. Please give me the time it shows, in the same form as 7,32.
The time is 10,05
